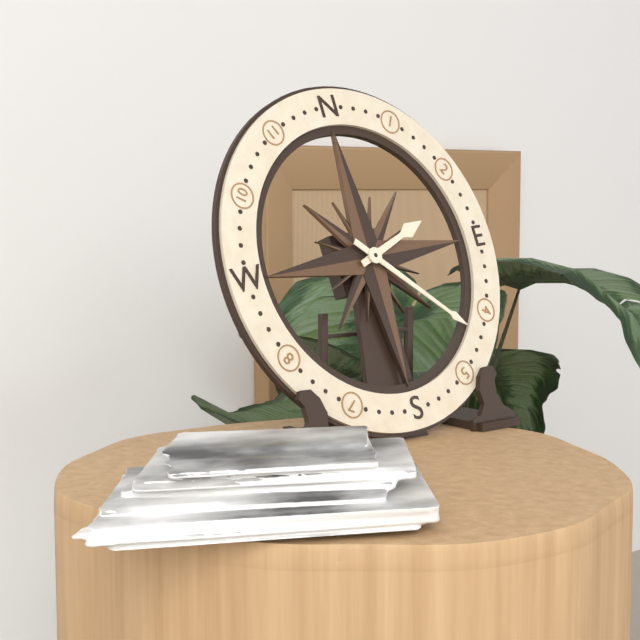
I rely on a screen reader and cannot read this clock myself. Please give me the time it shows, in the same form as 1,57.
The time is 2,22
